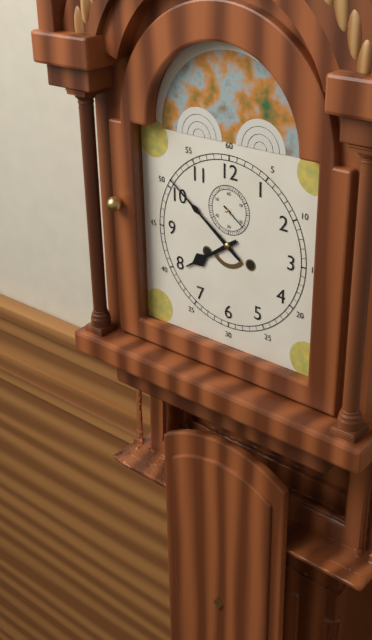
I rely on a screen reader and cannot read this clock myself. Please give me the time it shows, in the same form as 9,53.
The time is 7,51
